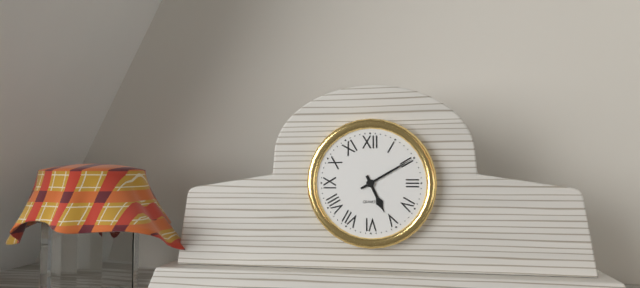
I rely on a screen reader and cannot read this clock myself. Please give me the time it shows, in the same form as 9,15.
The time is 5,10
